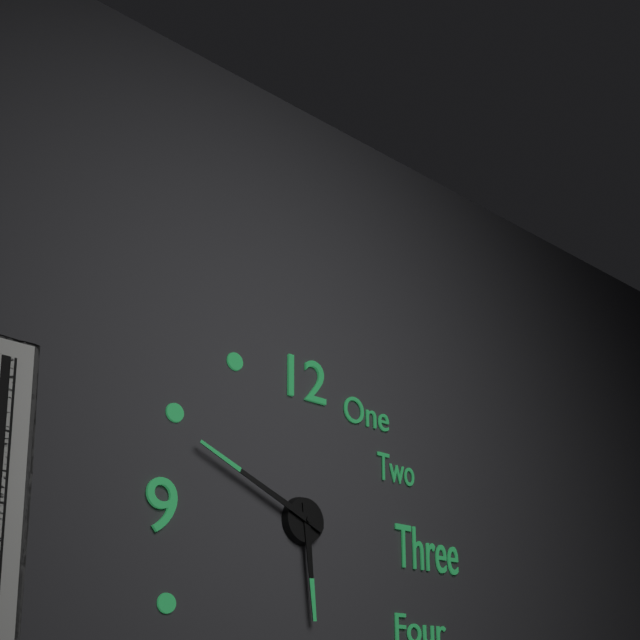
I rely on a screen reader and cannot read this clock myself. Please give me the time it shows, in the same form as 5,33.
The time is 5,49
